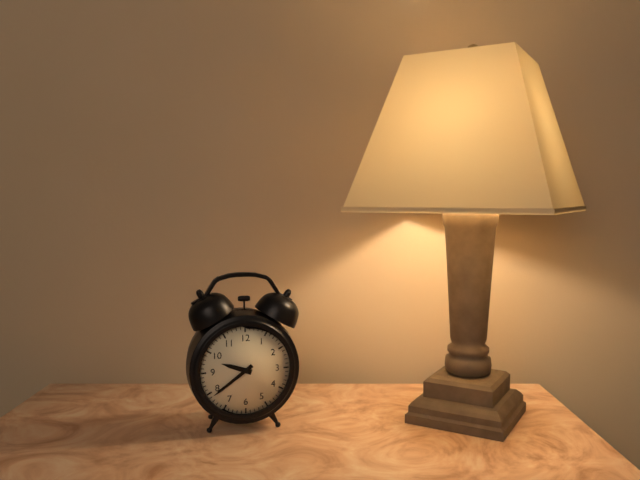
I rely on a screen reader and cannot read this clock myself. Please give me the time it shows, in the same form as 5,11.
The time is 9,39
